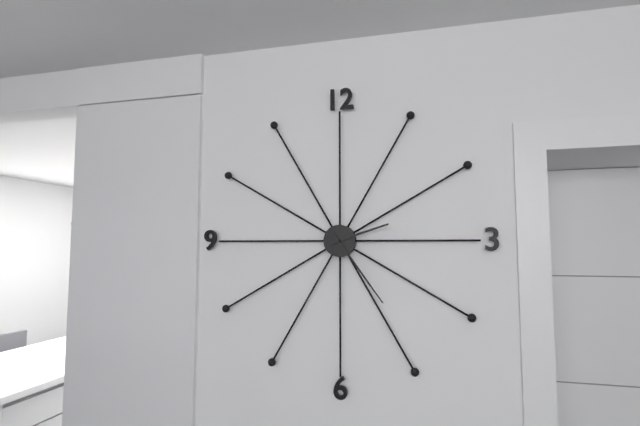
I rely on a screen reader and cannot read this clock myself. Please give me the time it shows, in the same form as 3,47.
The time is 2,24
